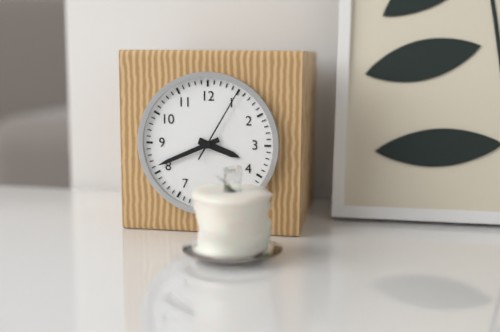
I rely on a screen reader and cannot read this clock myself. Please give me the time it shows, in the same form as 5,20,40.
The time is 3,41,05
